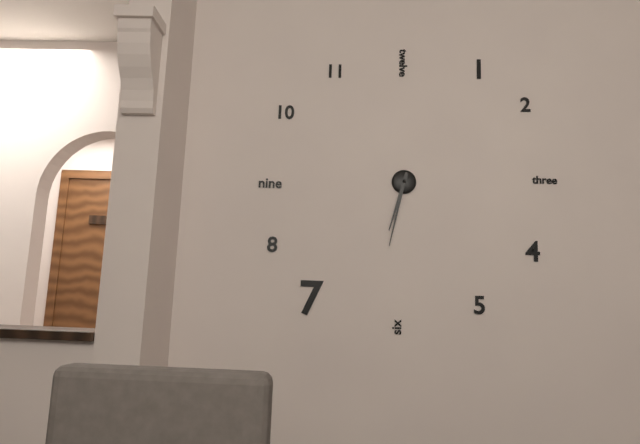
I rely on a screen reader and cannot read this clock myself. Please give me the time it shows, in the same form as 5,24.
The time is 6,32
